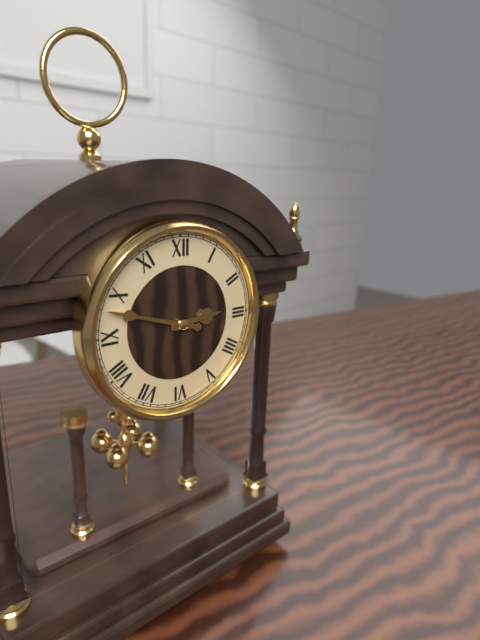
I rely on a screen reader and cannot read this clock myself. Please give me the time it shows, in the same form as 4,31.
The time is 2,48
